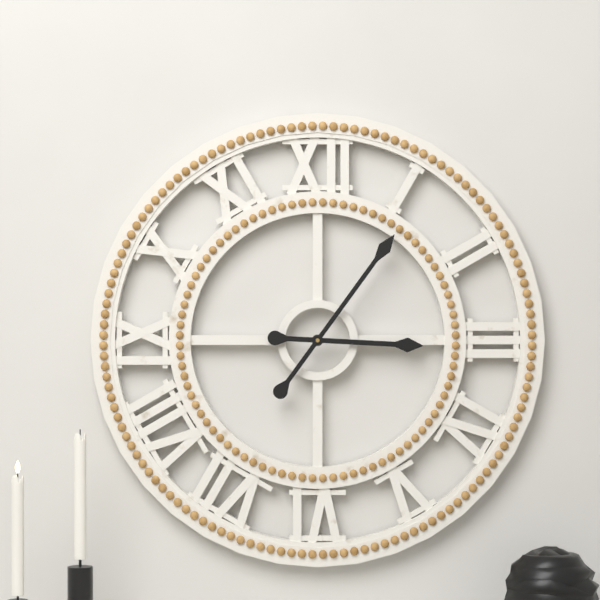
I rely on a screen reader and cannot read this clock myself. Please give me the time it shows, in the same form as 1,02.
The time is 3,06
